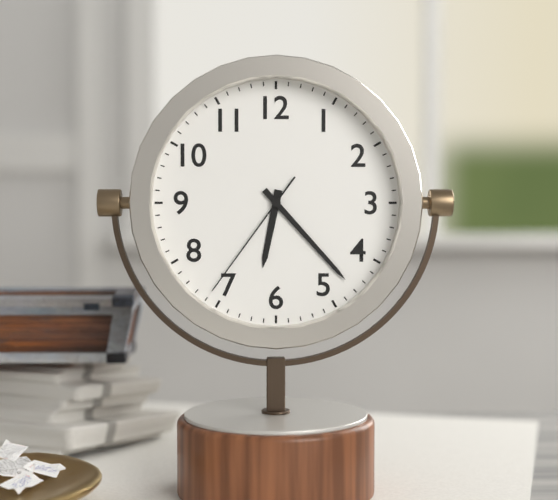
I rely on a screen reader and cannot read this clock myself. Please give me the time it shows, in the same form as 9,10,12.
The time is 6,23,36
